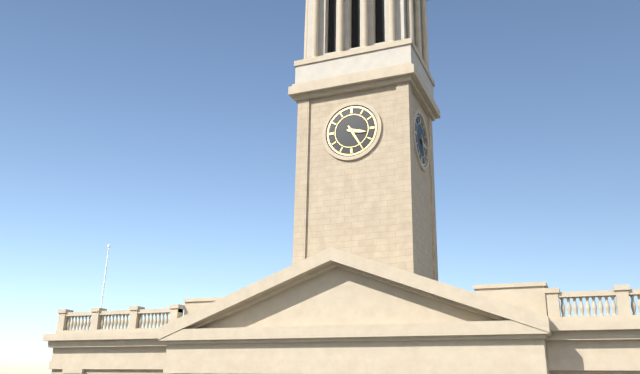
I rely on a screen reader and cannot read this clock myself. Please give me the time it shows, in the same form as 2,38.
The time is 3,25
